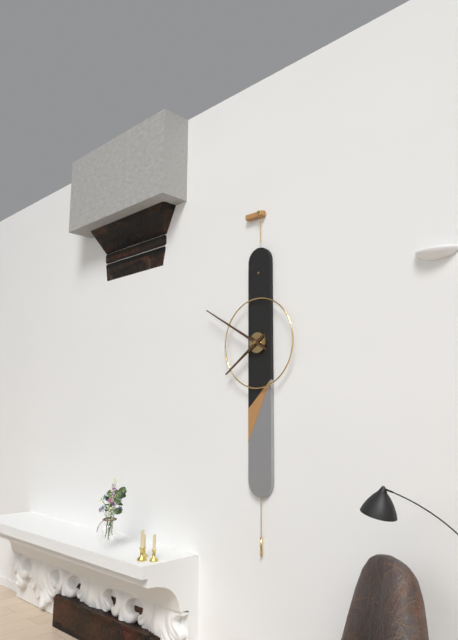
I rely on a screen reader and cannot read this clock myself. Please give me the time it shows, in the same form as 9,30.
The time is 7,50
